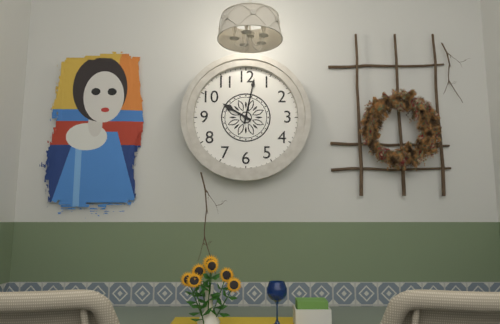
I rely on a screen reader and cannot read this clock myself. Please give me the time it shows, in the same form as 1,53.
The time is 10,02
